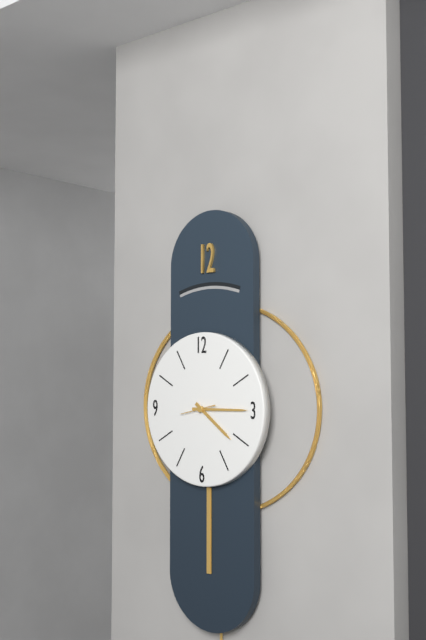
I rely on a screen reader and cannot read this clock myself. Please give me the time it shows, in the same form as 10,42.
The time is 4,15
